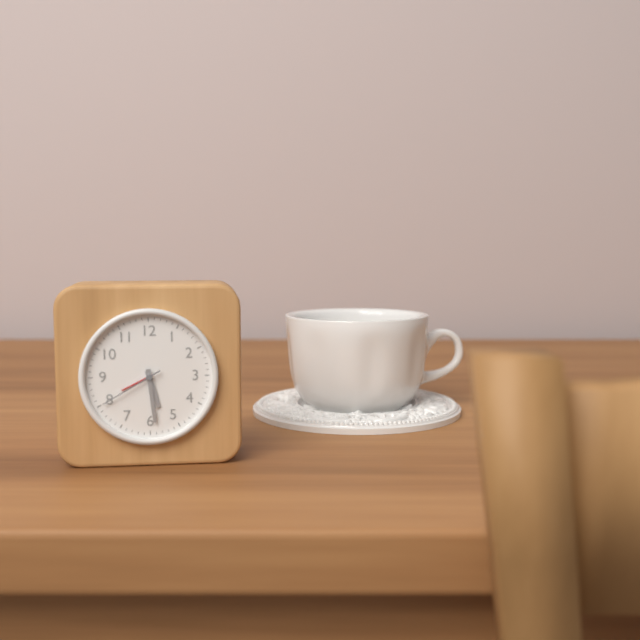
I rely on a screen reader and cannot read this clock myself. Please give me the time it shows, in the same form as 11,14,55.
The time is 5,29,40
